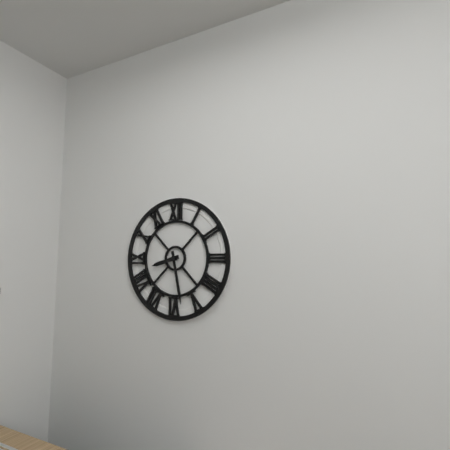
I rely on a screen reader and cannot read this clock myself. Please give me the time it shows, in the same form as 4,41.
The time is 8,28
